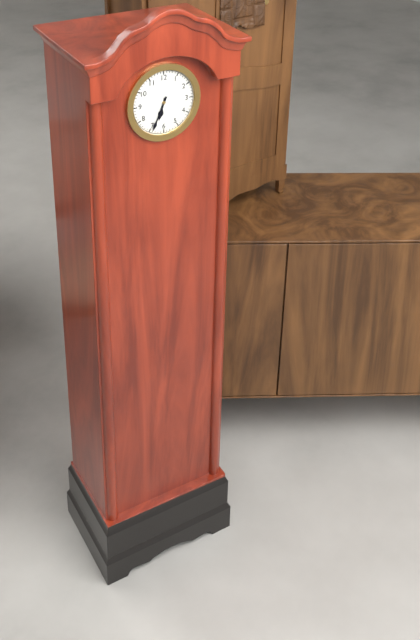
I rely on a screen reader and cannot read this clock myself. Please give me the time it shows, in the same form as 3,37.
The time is 6,34
